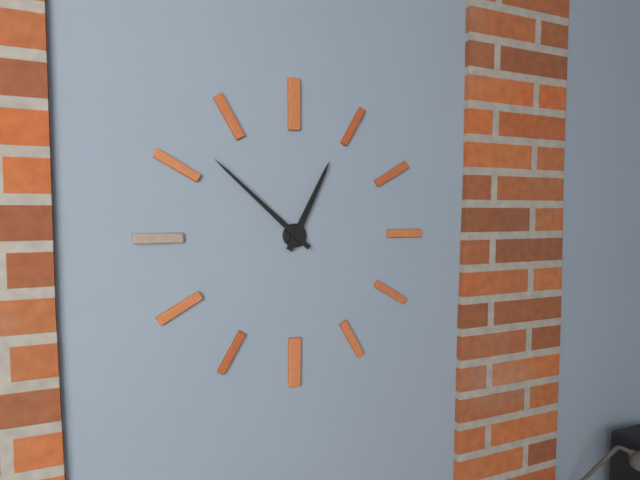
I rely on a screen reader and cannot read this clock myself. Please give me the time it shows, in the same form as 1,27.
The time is 12,52
